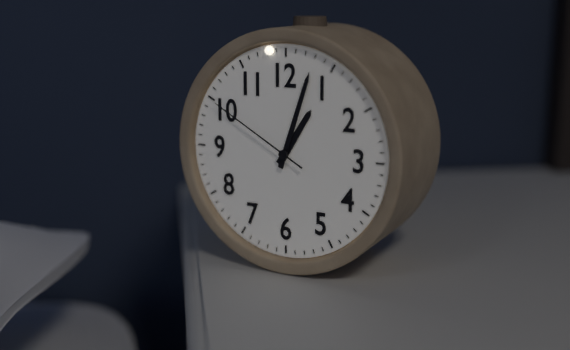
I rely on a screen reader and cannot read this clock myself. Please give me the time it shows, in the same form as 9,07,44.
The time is 1,03,50
